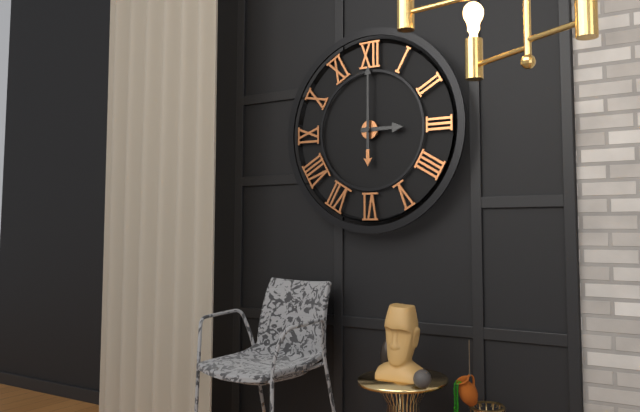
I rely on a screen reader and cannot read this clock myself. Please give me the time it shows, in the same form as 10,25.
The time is 3,00
